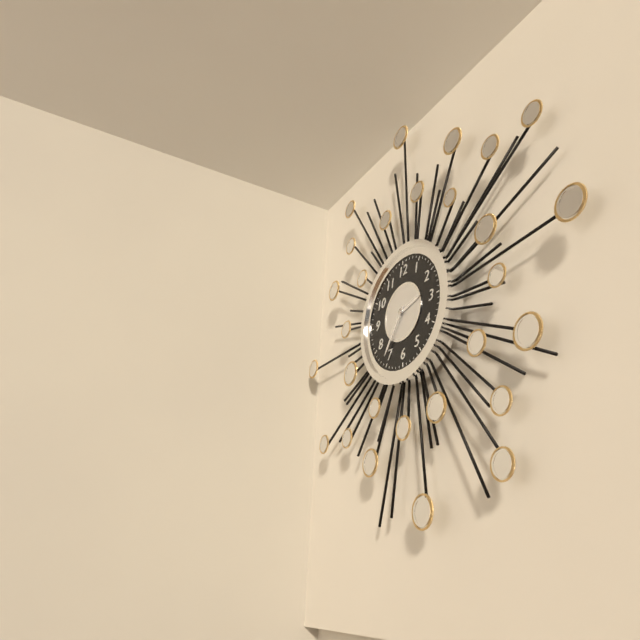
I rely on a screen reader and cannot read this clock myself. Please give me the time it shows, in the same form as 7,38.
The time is 2,36
